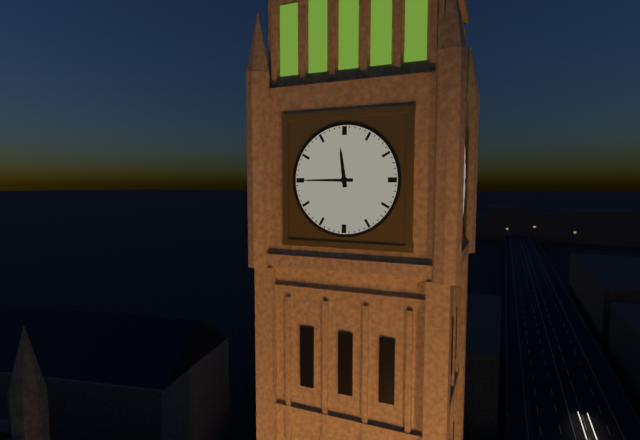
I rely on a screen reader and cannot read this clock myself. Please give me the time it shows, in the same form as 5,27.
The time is 11,45
